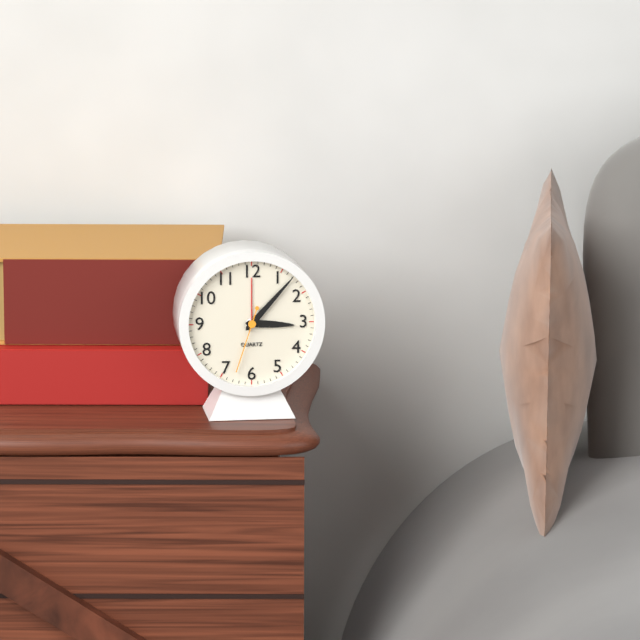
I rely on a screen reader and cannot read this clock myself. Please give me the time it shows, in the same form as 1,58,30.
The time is 3,07,33
